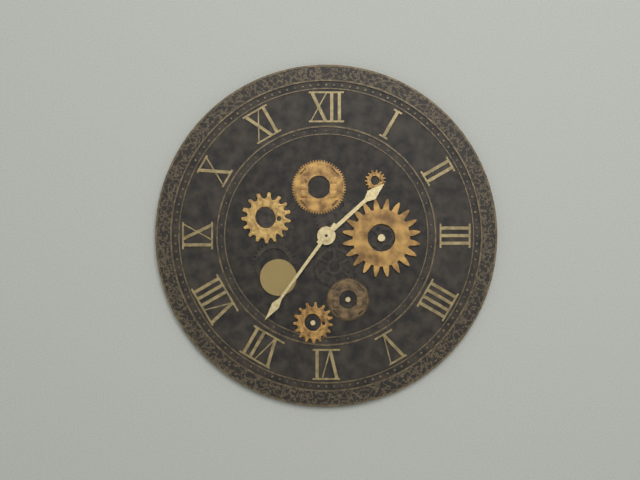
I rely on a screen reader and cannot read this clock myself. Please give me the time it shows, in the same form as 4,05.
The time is 1,36
